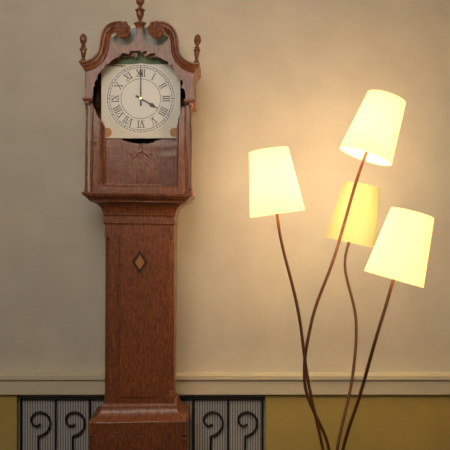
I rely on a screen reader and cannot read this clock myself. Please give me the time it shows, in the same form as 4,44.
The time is 4,00
